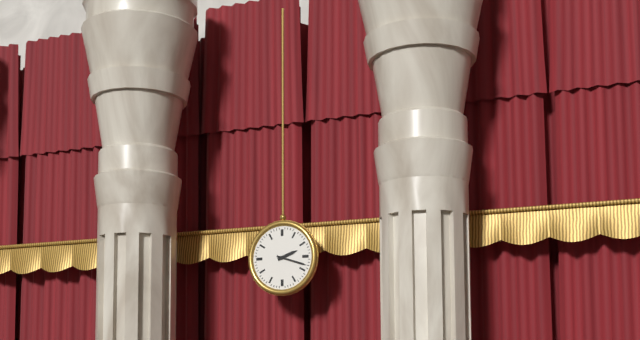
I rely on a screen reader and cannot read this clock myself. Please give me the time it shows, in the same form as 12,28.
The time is 2,18
